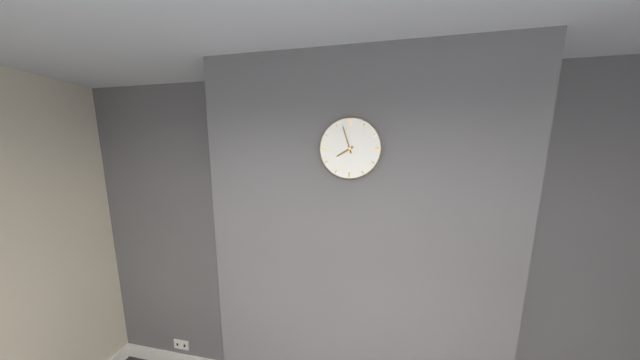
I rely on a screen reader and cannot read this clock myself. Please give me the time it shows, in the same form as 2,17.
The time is 7,57
